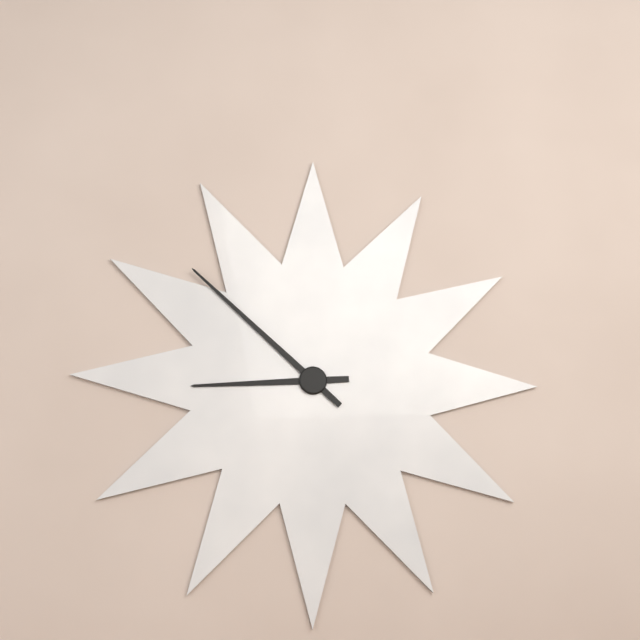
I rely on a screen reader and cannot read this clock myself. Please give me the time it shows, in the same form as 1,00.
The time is 8,52
